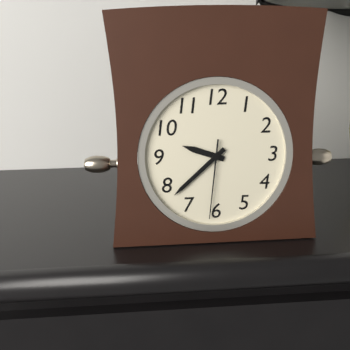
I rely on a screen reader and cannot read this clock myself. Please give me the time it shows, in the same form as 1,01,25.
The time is 9,38,31
